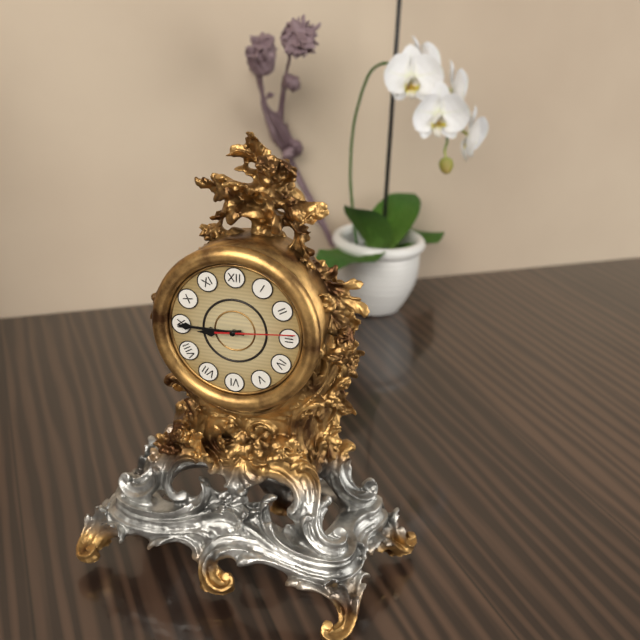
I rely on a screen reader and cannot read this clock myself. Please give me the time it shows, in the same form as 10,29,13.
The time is 8,45,14
